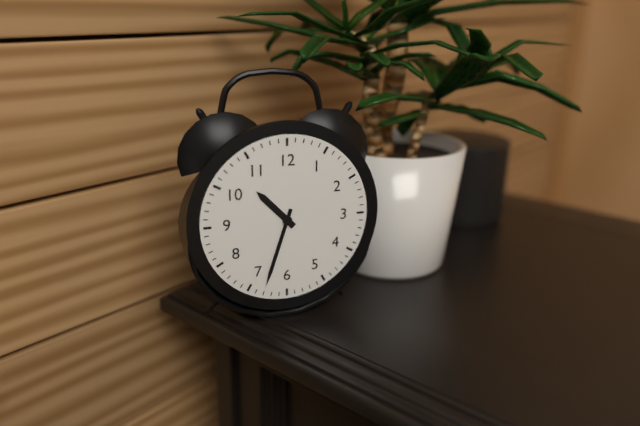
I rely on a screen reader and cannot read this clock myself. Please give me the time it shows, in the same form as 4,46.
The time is 10,33
